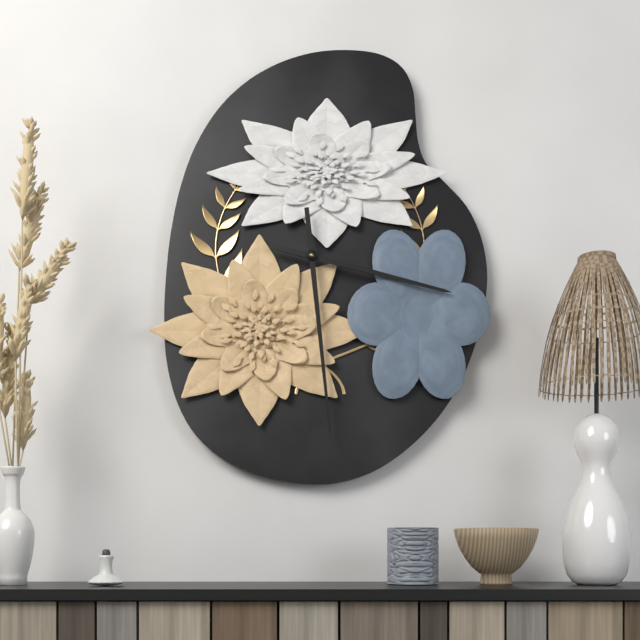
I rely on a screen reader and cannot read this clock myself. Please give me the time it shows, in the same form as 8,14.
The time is 3,29
